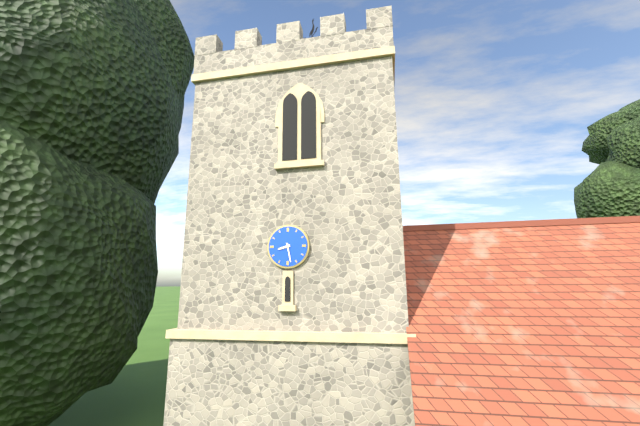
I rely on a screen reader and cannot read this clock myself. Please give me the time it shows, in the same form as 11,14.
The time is 8,28
